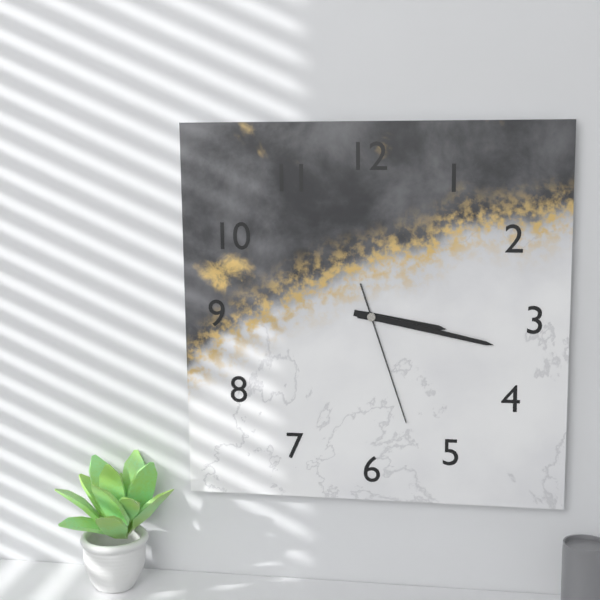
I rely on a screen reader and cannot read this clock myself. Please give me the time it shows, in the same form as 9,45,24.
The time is 3,17,27
